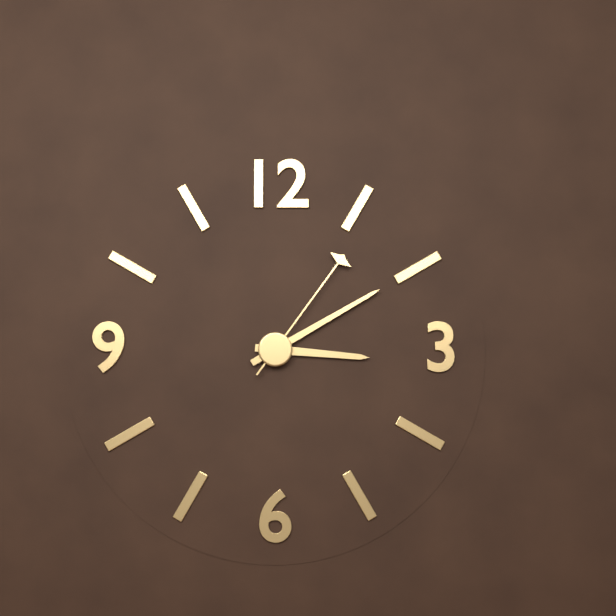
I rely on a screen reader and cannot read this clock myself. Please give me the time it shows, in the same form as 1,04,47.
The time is 3,10,06
